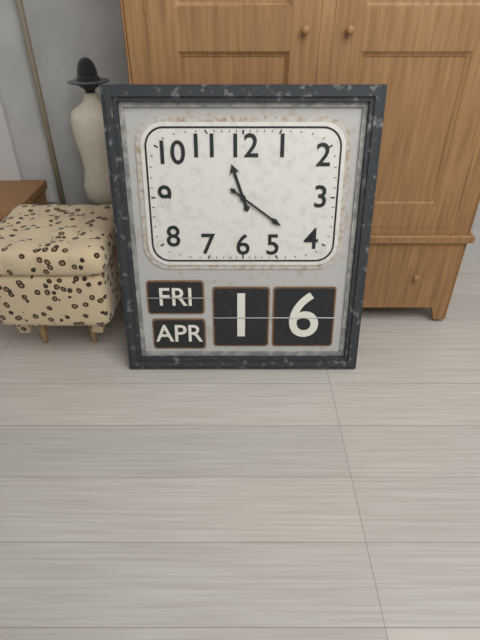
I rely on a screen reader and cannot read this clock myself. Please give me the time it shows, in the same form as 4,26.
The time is 11,21
